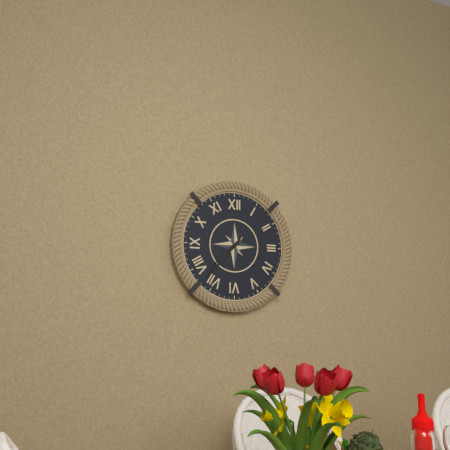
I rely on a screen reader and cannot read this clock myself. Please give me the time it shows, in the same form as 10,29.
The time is 7,37
